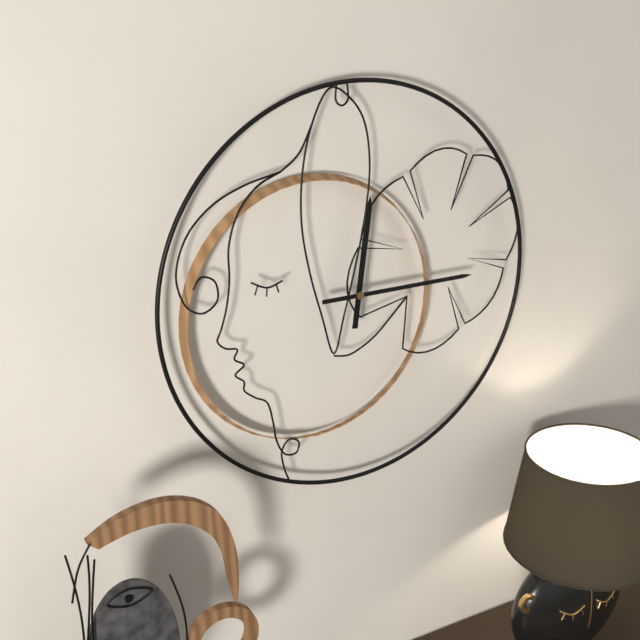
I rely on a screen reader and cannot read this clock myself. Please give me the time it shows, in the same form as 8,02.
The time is 12,15
